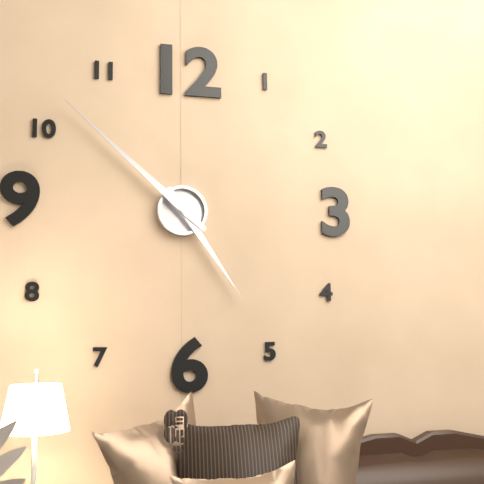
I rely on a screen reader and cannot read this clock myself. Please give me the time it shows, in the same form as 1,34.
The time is 4,52
